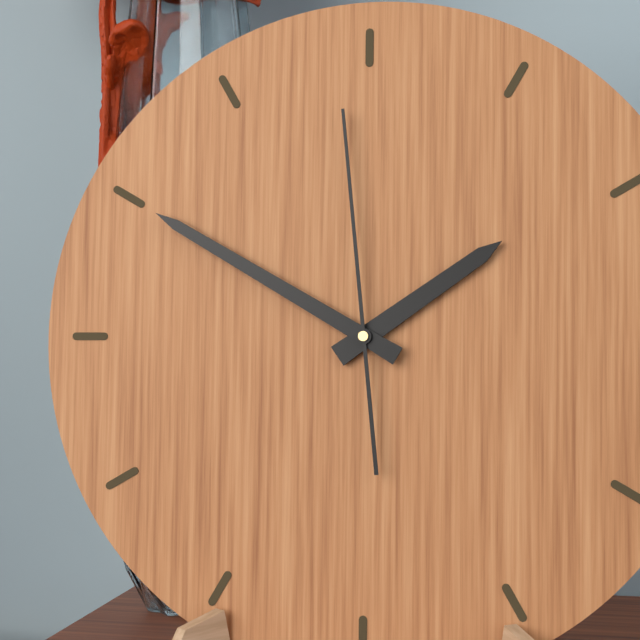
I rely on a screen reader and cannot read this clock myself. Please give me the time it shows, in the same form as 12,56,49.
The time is 1,50,59
